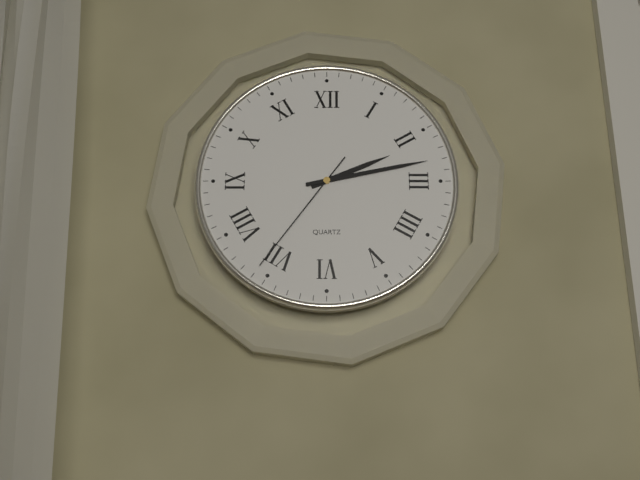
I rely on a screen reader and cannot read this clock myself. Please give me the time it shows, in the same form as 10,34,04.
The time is 2,13,36
